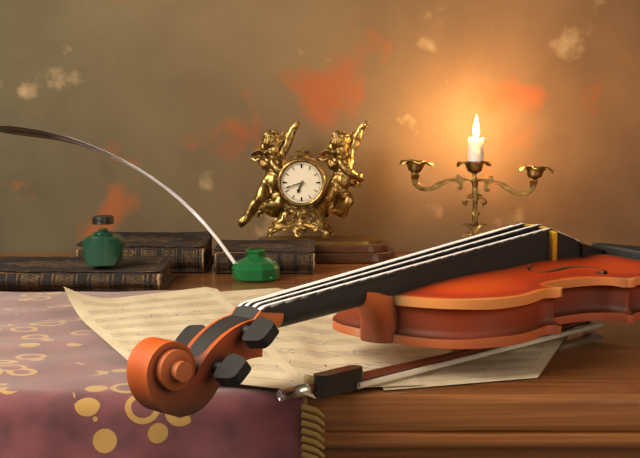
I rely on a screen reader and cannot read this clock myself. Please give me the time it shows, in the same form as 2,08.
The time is 6,42
